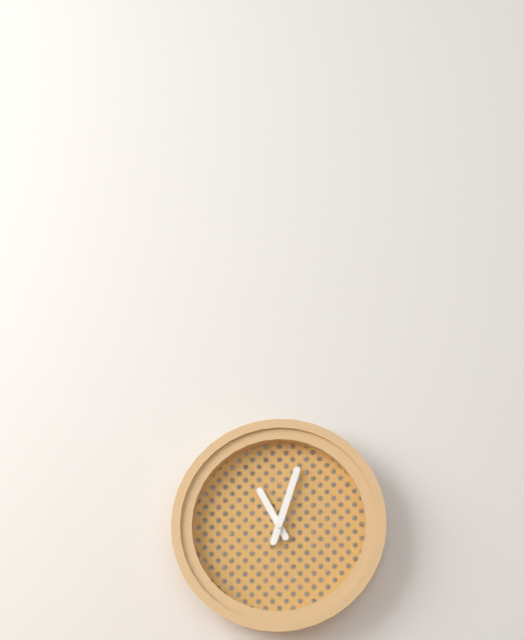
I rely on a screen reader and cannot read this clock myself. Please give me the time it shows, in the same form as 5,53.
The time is 11,03
